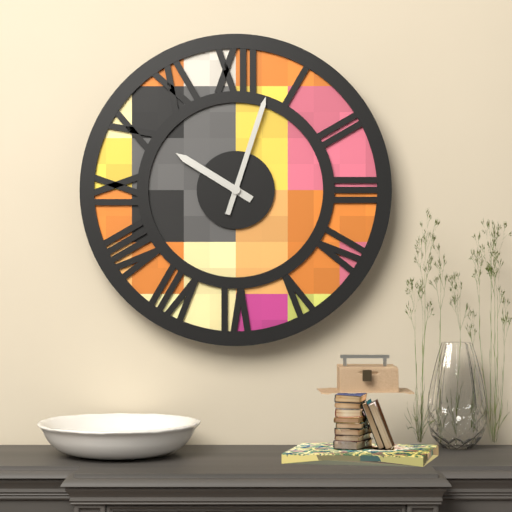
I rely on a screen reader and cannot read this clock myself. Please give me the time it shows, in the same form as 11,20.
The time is 10,03
